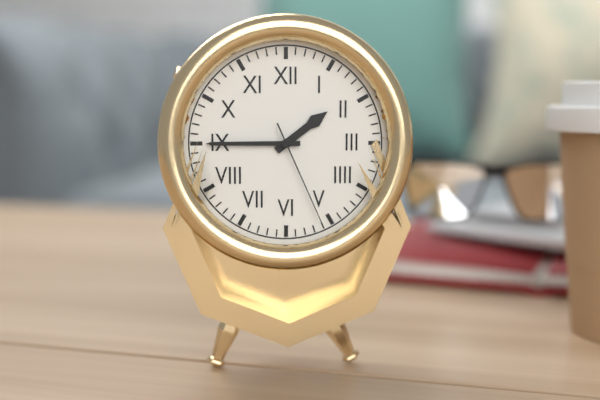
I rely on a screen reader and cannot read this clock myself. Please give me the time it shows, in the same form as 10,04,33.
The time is 1,45,26
